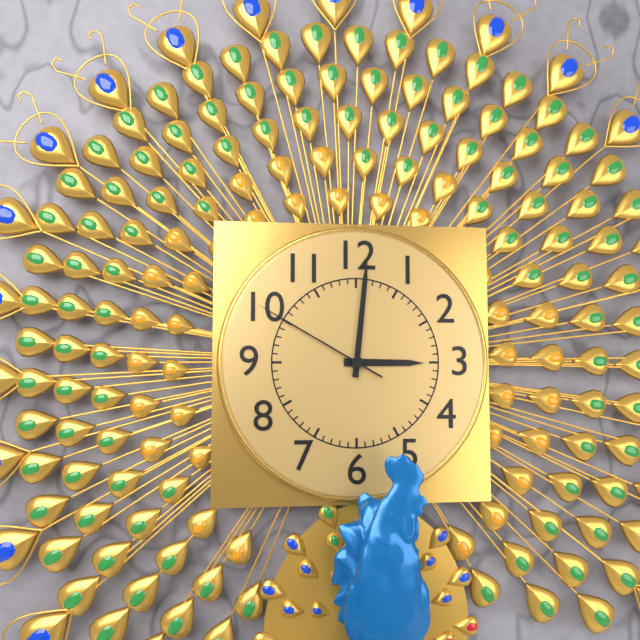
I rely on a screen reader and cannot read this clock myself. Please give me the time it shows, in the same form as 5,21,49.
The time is 3,01,50
